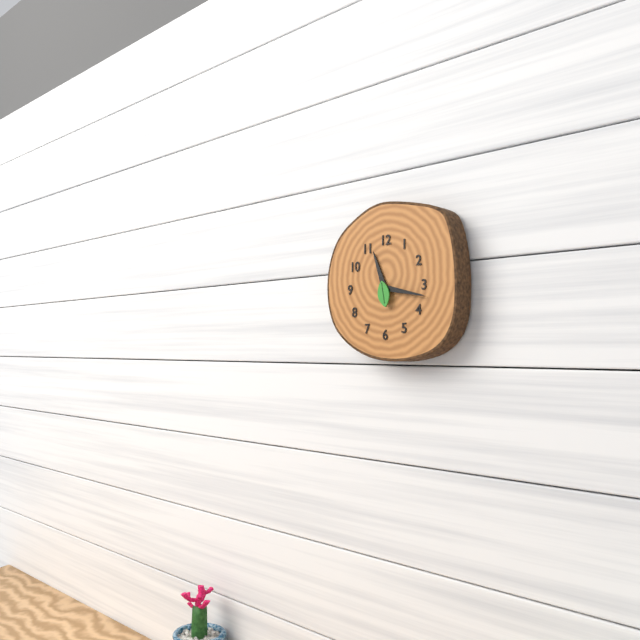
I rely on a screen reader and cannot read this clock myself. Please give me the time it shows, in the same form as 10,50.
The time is 11,17
